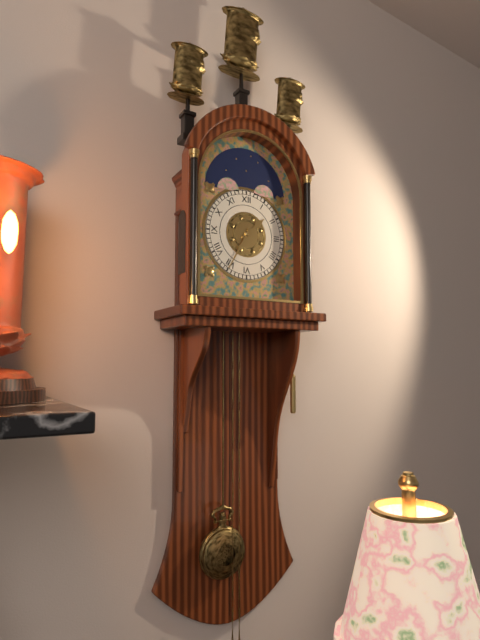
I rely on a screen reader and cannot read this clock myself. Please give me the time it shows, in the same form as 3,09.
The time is 1,35
